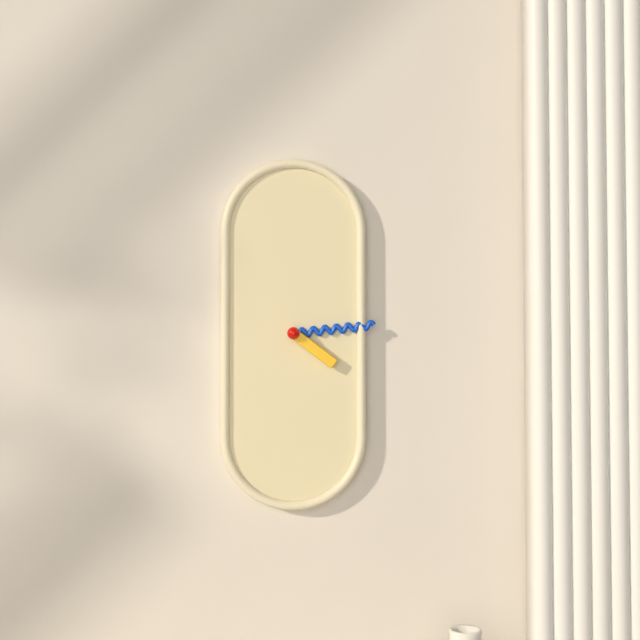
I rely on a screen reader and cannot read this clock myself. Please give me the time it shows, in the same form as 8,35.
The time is 4,14
